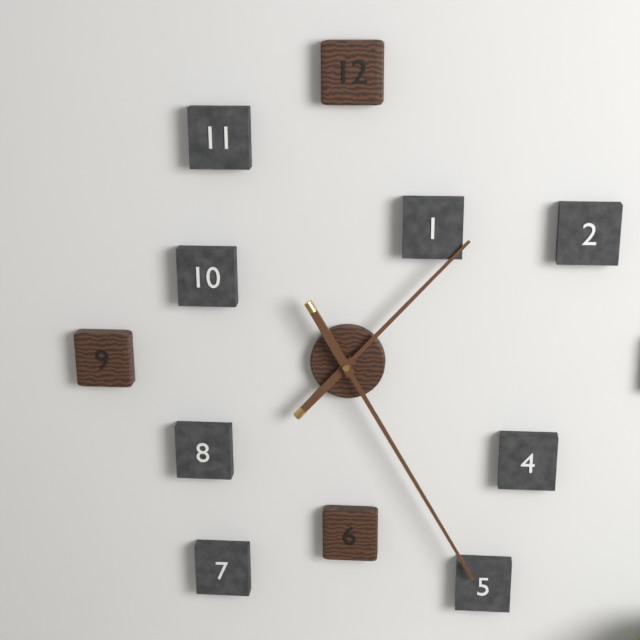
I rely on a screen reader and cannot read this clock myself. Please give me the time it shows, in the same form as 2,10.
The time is 1,25
